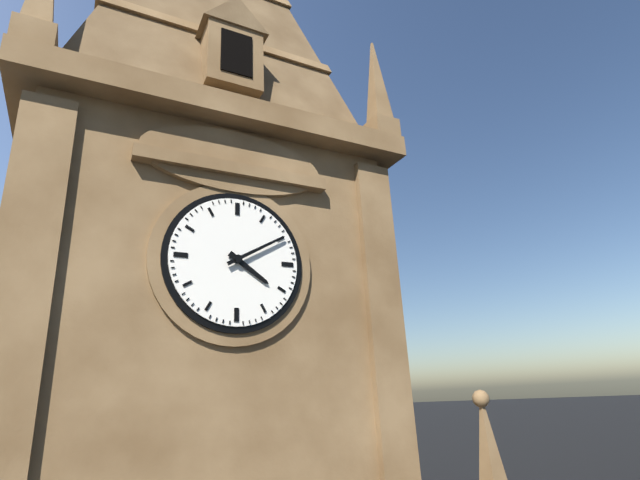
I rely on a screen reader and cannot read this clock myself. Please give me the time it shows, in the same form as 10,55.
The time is 4,10
